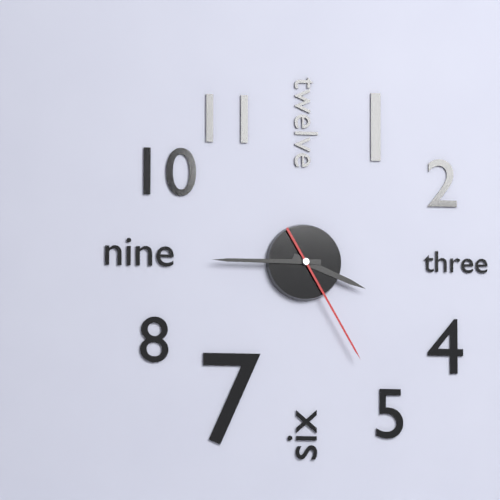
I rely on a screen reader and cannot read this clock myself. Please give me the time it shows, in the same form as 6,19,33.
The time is 3,45,25
